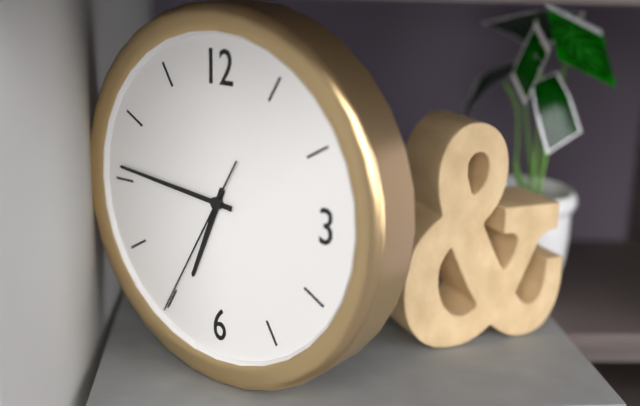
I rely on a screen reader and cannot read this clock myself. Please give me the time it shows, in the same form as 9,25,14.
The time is 6,46,35
